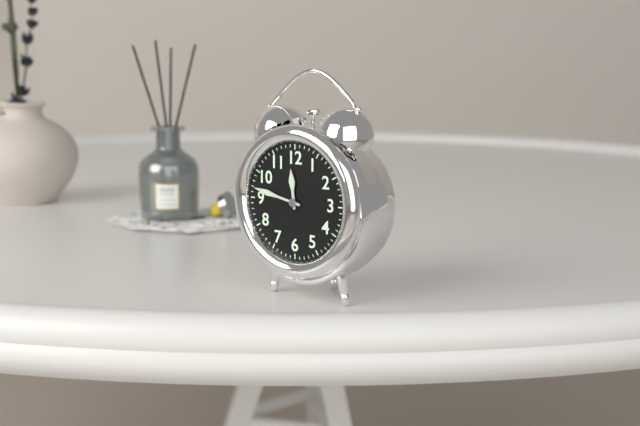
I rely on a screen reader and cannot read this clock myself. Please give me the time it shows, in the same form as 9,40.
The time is 11,47
